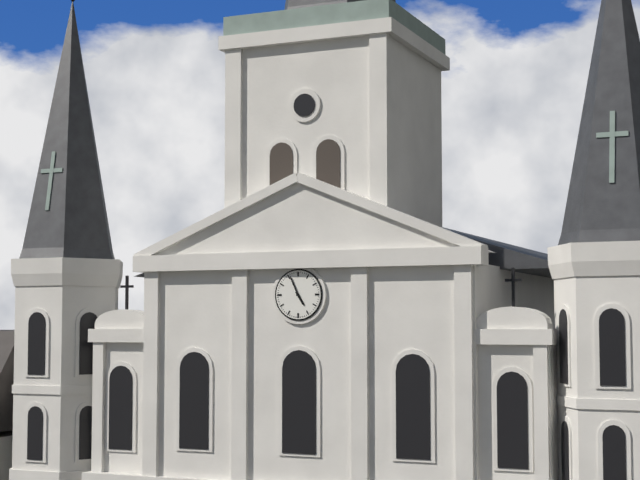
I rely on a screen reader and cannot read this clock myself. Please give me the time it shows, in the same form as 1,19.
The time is 4,56
